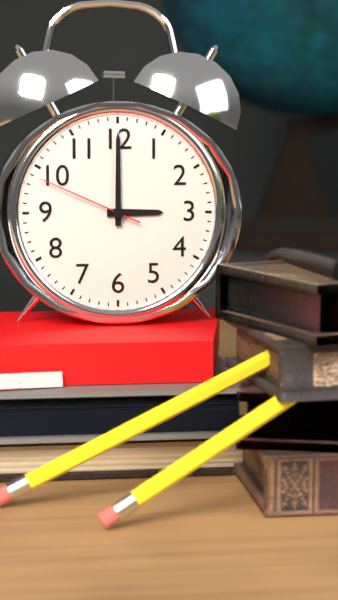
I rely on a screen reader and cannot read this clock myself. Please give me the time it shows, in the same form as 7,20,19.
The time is 3,00,49
